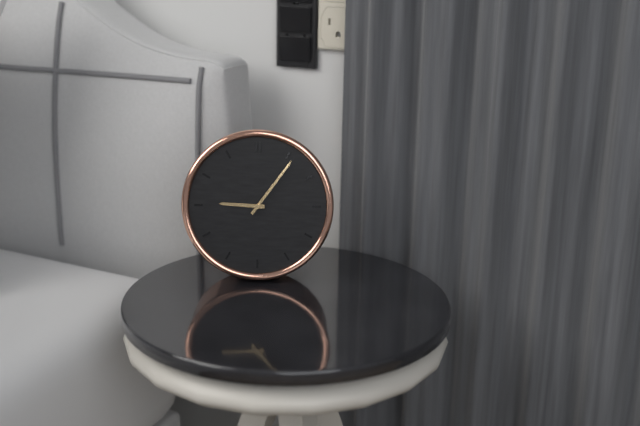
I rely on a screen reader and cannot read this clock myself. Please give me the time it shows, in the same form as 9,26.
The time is 9,06
